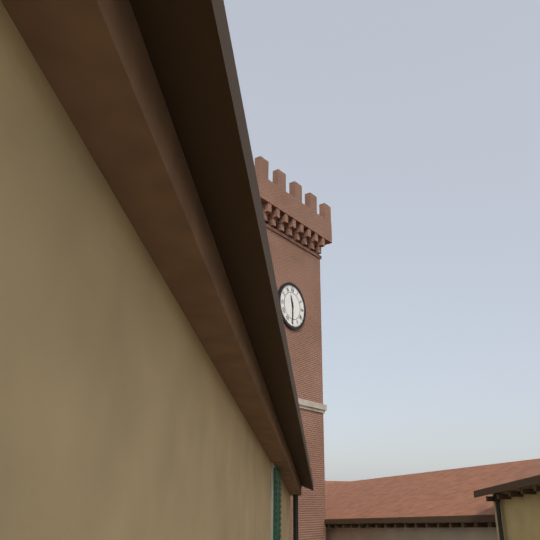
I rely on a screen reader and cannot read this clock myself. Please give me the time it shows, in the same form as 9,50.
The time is 11,30
